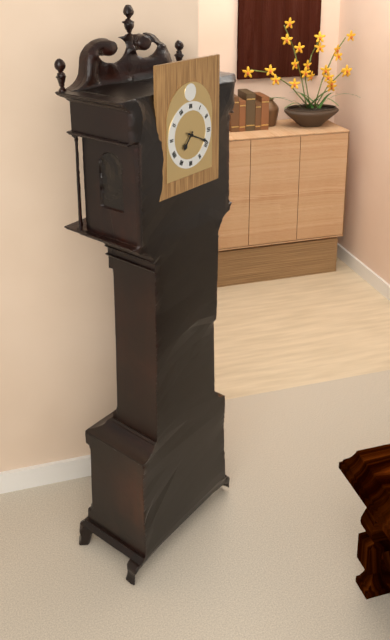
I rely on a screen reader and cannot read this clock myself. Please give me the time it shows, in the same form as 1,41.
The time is 7,19
